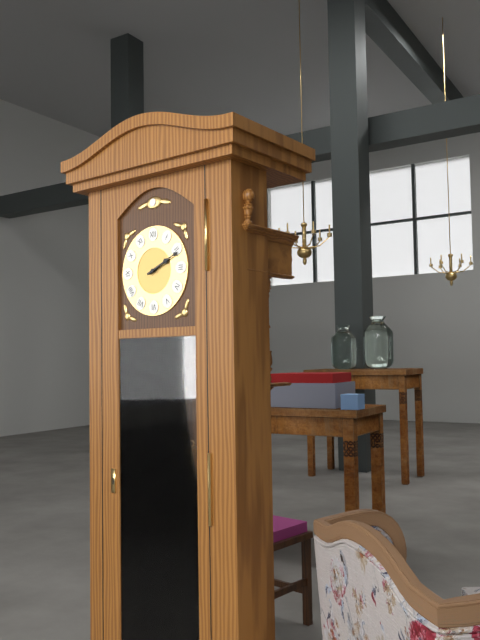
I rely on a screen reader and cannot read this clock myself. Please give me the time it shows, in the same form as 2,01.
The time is 2,11
